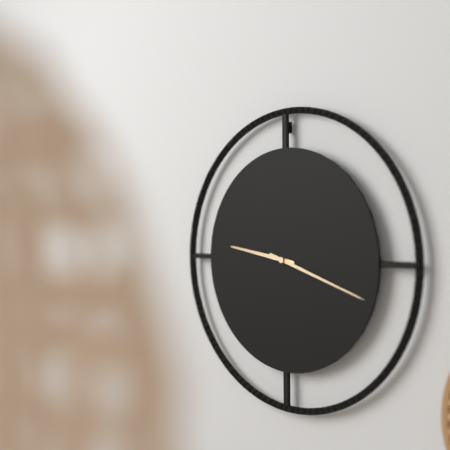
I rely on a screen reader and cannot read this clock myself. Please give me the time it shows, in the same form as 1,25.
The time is 9,18
